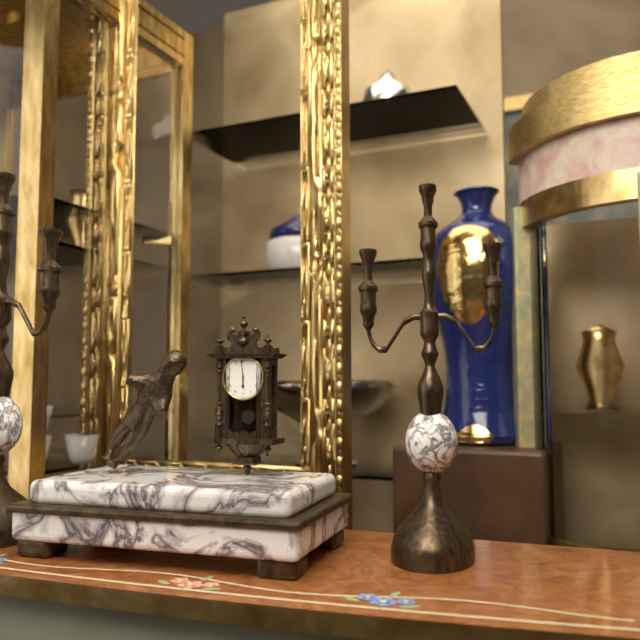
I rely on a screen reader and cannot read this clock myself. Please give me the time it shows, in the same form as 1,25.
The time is 5,59
